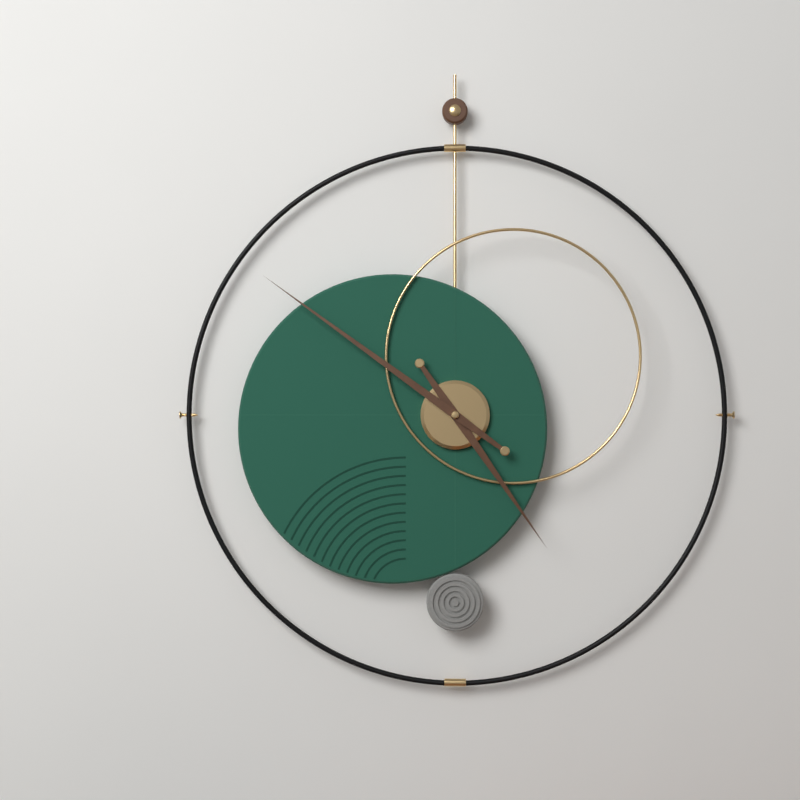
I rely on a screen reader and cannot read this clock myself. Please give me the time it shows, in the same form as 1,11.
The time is 4,51
